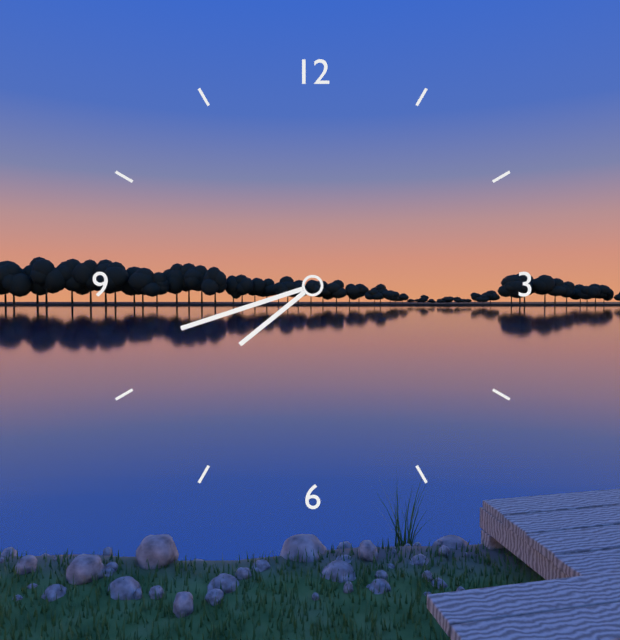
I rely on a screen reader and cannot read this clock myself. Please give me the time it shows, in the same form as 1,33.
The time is 7,42
